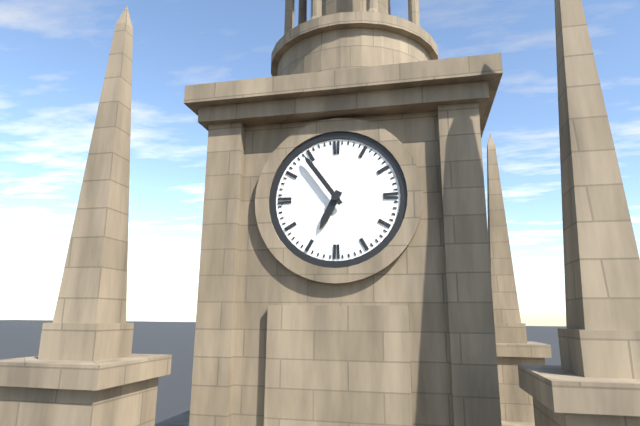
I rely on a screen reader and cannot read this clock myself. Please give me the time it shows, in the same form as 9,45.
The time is 6,54
